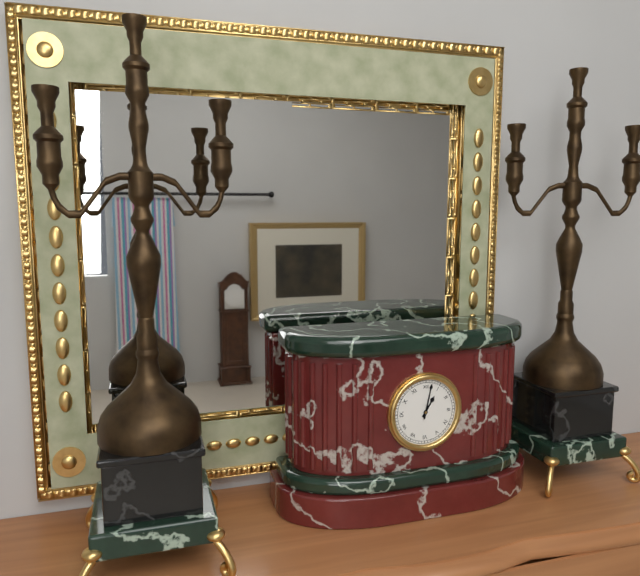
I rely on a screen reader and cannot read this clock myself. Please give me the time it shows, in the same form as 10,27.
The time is 1,02
